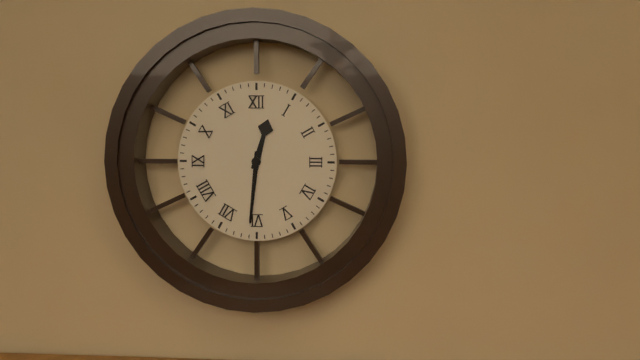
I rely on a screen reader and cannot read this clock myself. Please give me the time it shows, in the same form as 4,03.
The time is 12,31
